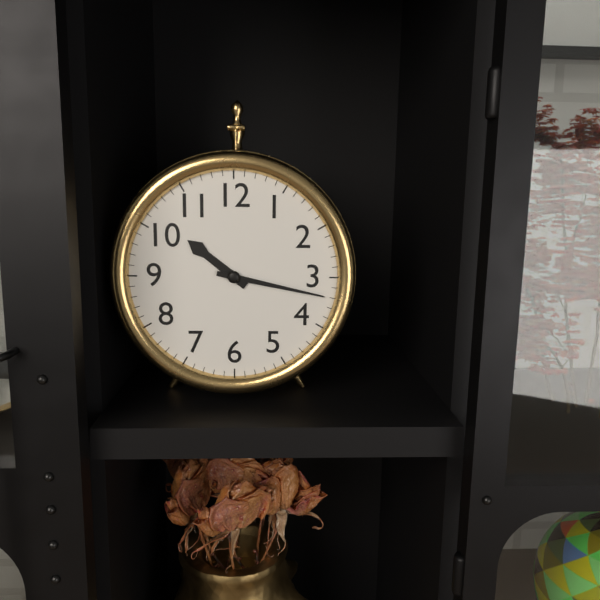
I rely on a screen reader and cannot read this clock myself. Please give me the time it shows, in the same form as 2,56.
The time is 10,17
